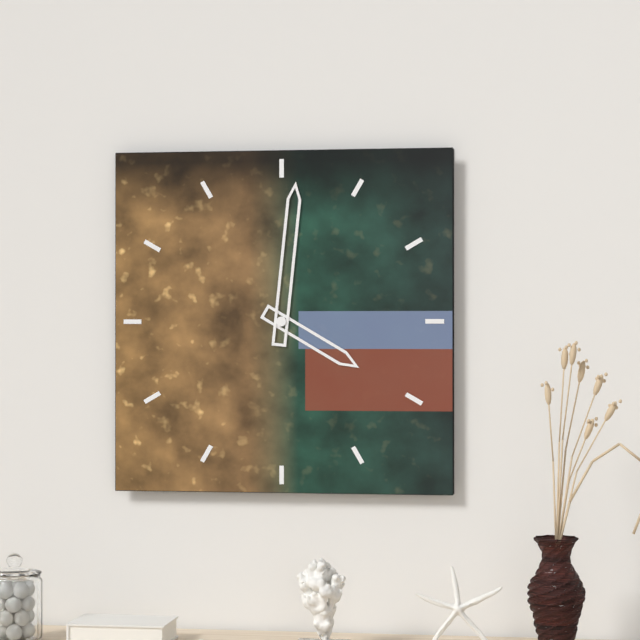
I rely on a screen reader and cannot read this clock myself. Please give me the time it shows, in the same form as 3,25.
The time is 4,01
